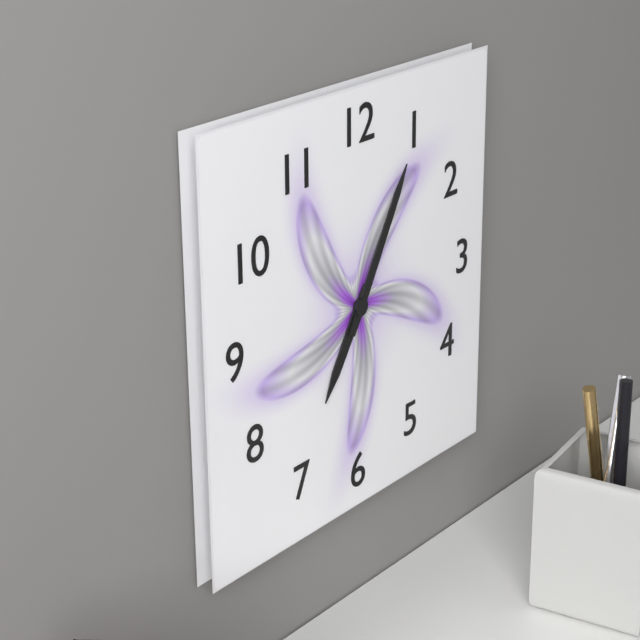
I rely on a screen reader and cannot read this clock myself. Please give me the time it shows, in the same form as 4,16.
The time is 7,05
